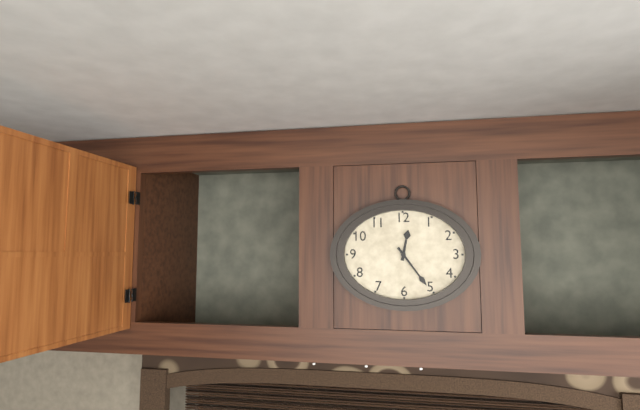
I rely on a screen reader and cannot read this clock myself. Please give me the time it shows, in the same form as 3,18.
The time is 12,24
